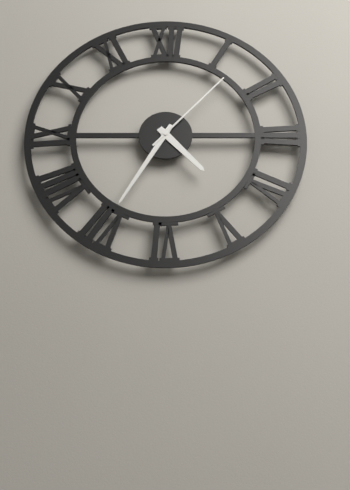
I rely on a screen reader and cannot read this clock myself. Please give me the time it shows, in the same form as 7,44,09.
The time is 4,35,07
